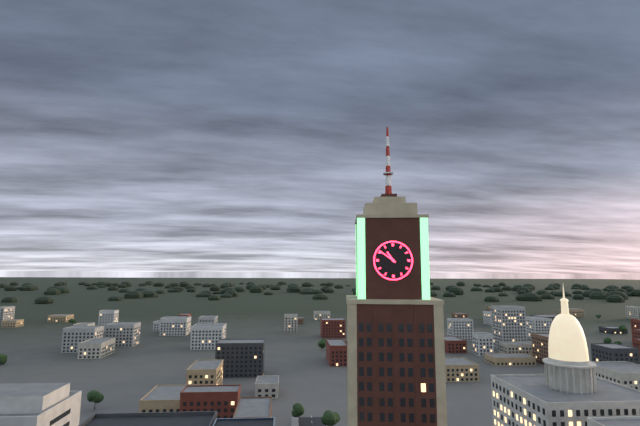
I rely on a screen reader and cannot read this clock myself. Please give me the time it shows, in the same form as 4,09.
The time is 10,51
